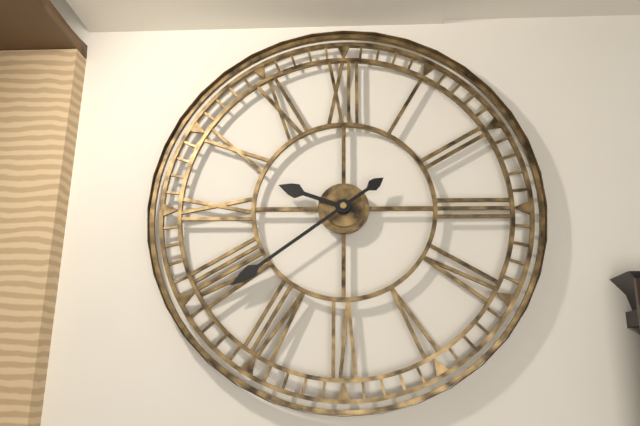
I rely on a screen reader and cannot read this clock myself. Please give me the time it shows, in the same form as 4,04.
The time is 9,39
